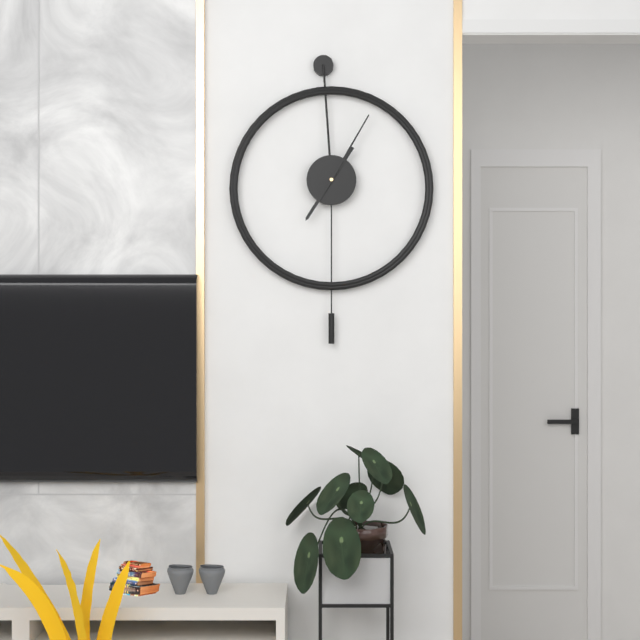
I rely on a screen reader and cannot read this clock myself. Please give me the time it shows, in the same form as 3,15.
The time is 7,05
